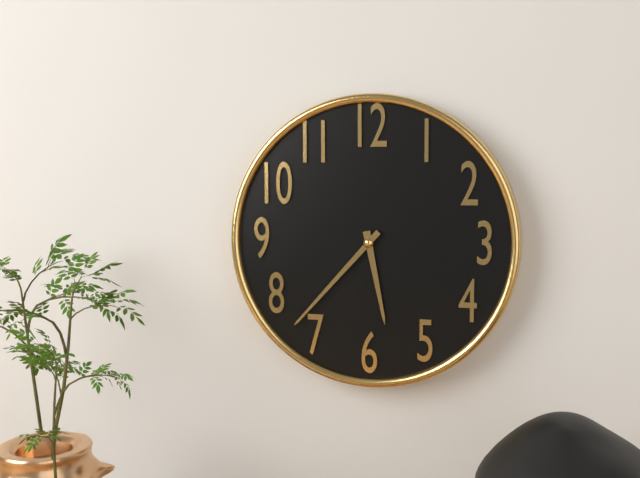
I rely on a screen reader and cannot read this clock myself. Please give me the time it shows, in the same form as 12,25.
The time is 5,37
